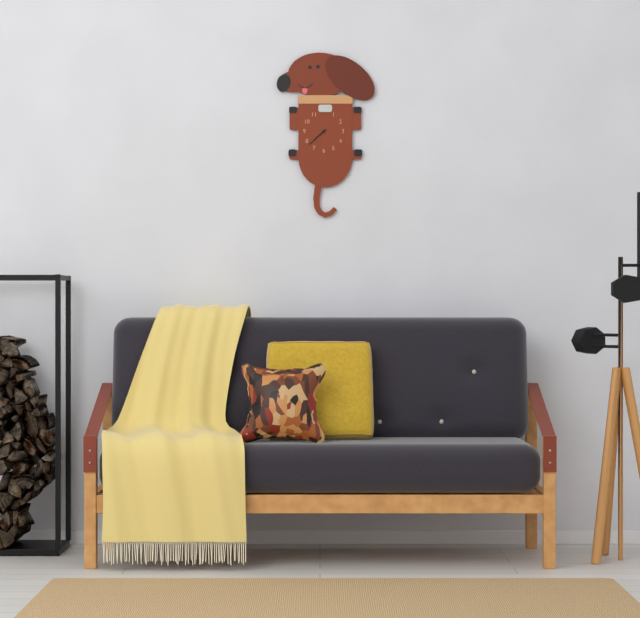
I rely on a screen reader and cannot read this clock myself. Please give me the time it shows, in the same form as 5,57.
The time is 7,38
